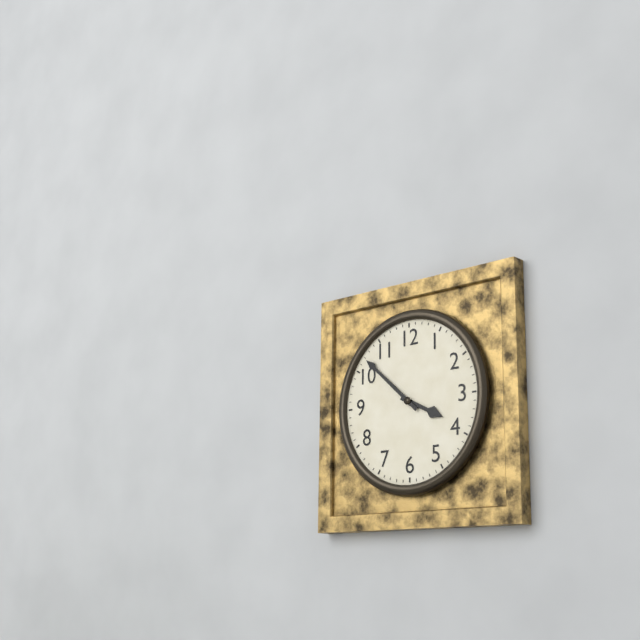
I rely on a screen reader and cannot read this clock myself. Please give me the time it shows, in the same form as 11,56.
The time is 3,52
